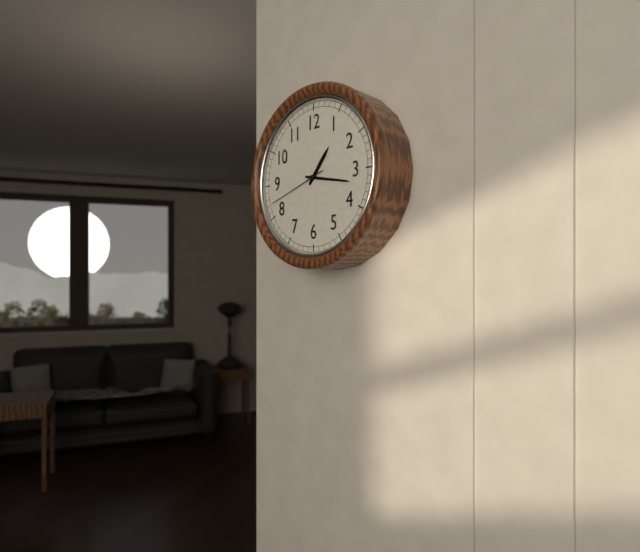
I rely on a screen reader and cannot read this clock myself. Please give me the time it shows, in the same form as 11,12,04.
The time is 1,17,42
